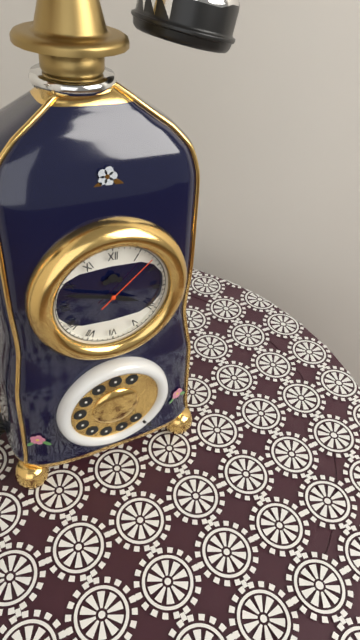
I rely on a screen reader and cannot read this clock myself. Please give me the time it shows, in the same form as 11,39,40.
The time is 3,48,08
